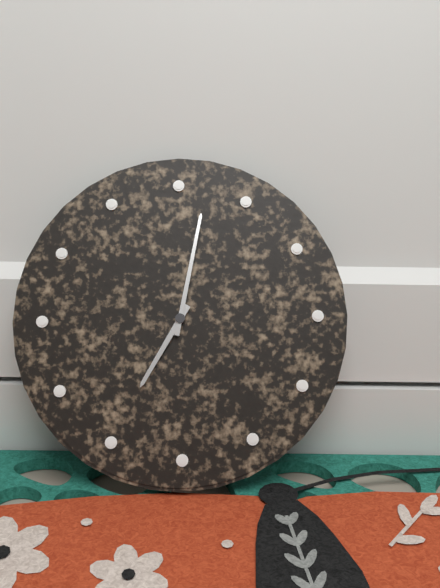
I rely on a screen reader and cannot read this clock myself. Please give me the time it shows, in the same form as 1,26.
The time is 7,02
